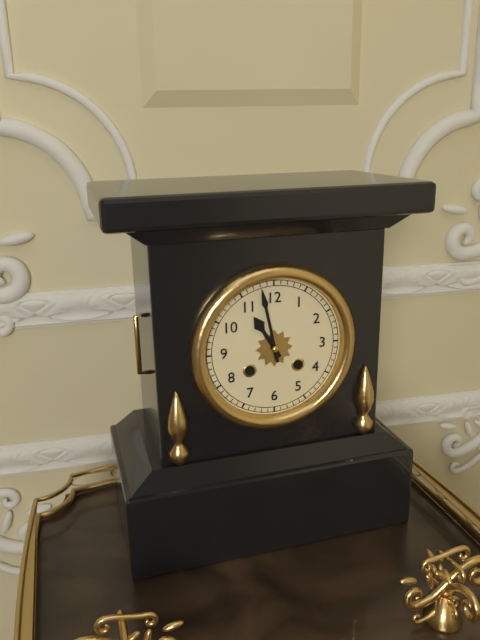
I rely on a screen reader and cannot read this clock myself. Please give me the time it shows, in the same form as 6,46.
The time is 10,58
